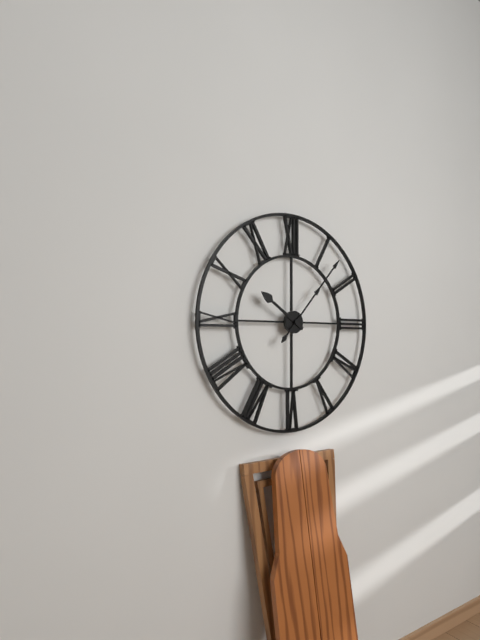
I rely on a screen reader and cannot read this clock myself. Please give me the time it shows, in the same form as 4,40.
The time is 10,07
